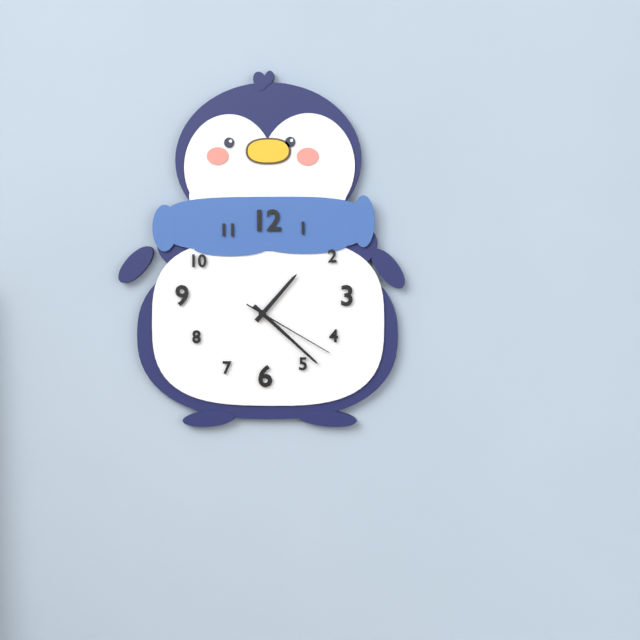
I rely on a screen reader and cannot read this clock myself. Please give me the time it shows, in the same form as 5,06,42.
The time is 1,22,20
